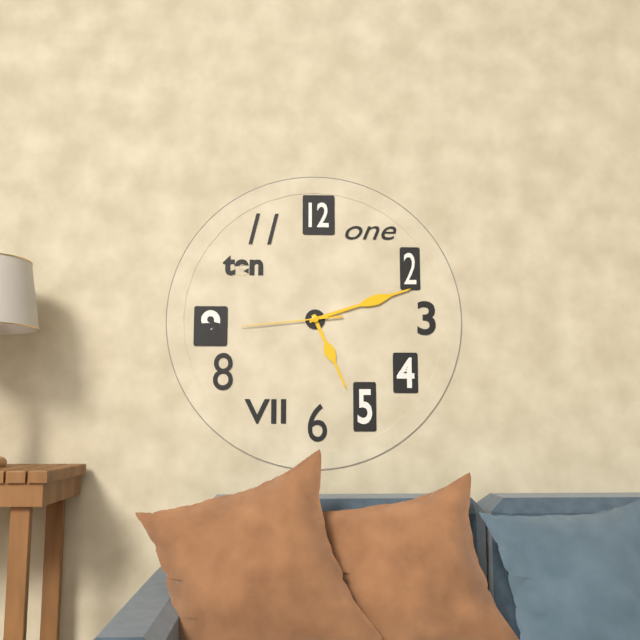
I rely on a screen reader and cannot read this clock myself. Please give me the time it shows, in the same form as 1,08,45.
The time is 5,12,44
